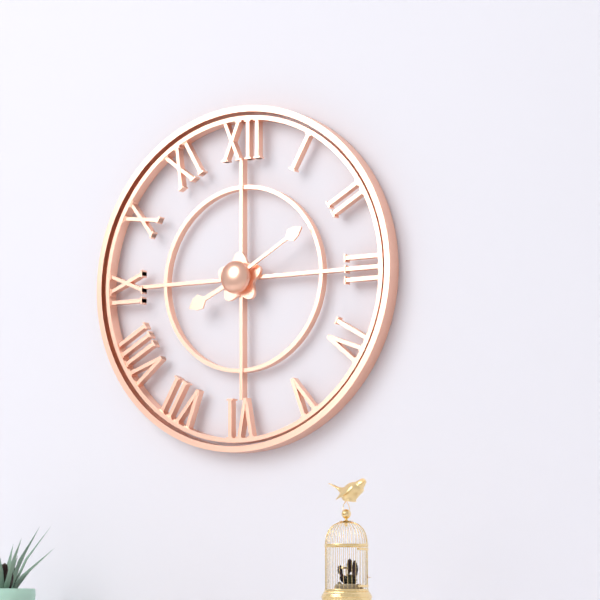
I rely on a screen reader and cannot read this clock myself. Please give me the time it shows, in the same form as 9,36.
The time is 8,10
